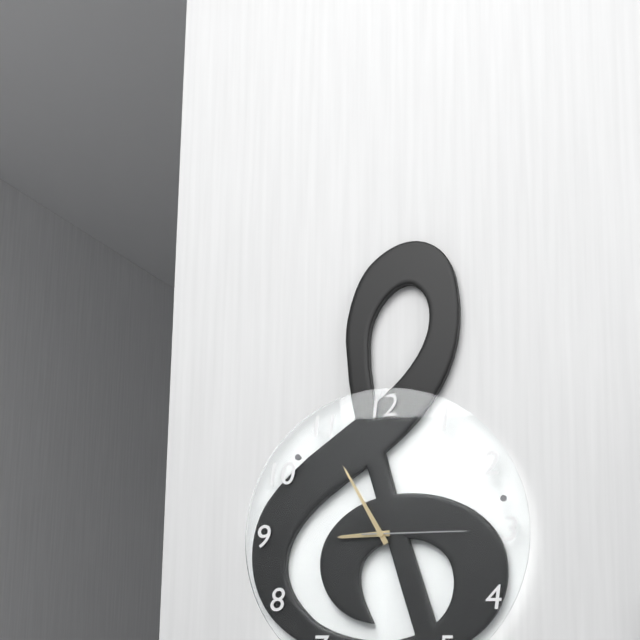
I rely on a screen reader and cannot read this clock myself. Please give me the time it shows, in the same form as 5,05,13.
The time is 8,55,15
